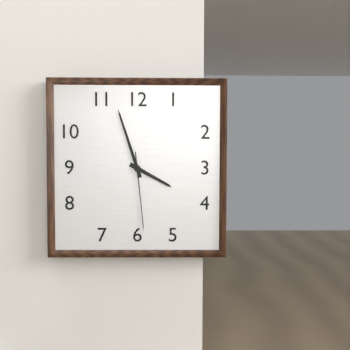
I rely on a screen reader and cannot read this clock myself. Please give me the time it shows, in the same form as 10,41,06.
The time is 3,57,29
